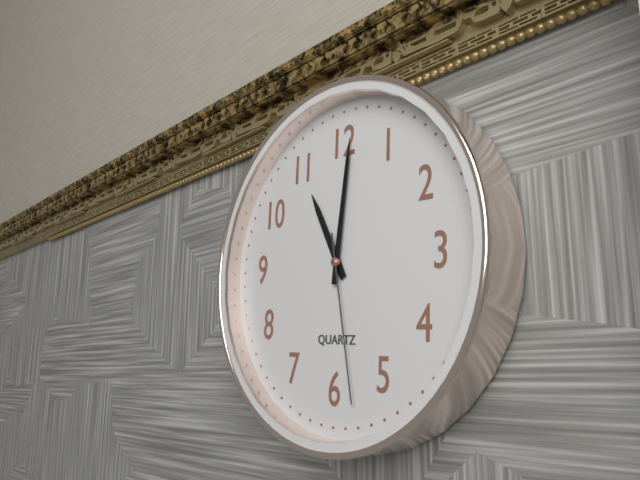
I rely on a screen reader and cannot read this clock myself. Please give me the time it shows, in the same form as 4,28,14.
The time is 11,01,28
